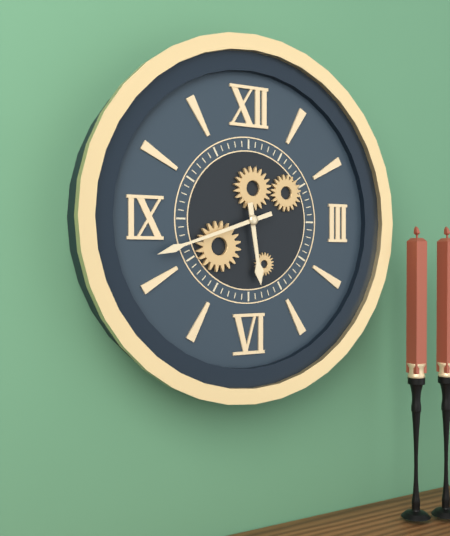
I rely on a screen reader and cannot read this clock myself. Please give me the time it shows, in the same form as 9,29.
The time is 5,42
